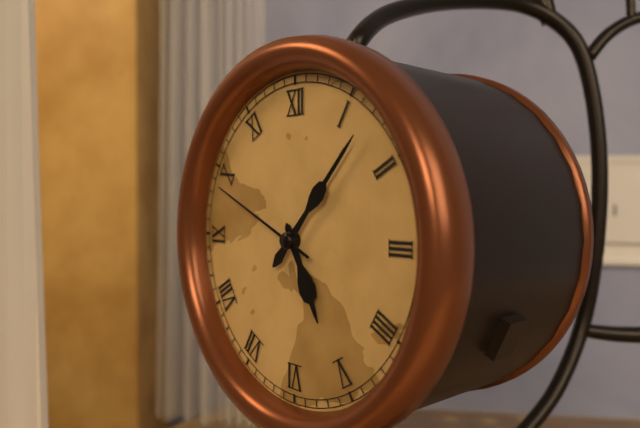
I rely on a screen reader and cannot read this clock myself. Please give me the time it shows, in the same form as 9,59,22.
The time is 5,07,49
